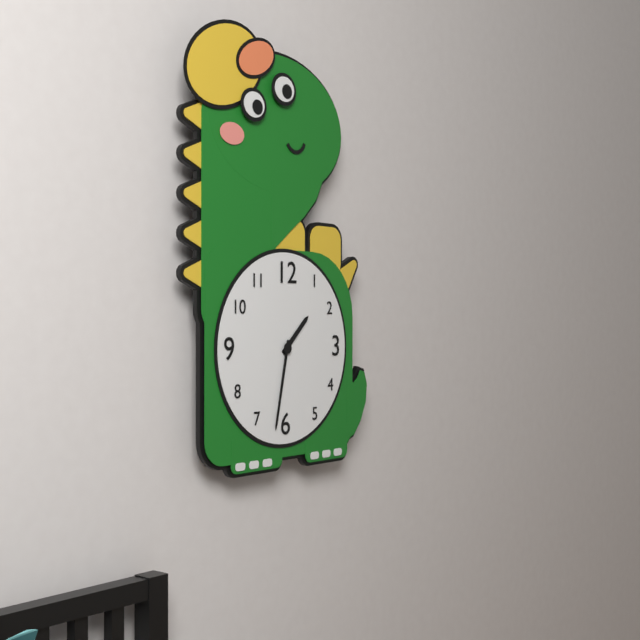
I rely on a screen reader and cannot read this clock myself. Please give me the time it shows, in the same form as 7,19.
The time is 1,32
